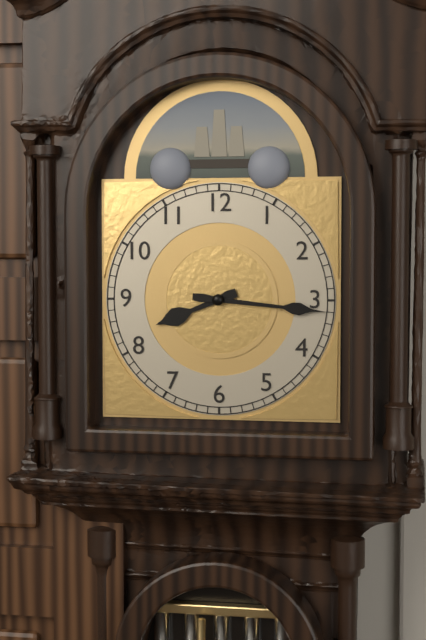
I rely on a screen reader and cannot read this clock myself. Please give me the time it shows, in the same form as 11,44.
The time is 8,16
